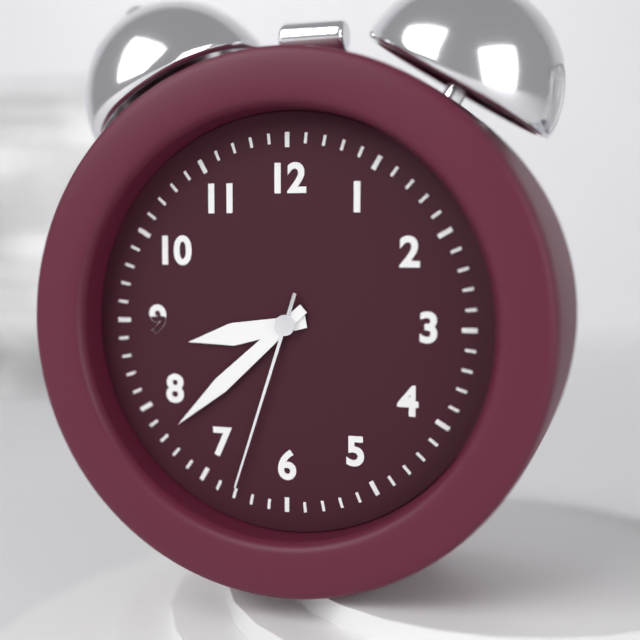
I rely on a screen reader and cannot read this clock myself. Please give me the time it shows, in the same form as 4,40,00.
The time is 8,38,33
